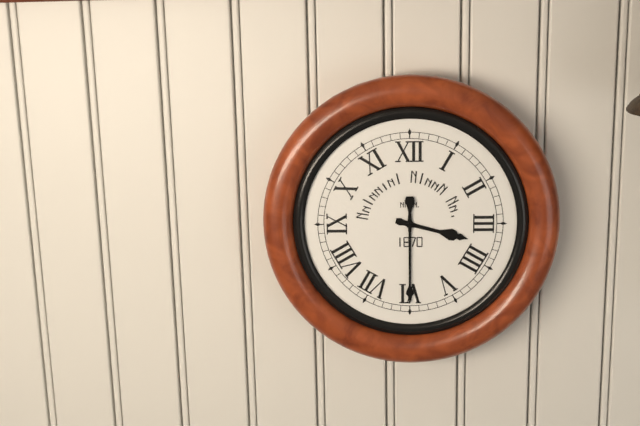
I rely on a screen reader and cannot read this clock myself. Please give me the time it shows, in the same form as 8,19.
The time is 3,30
